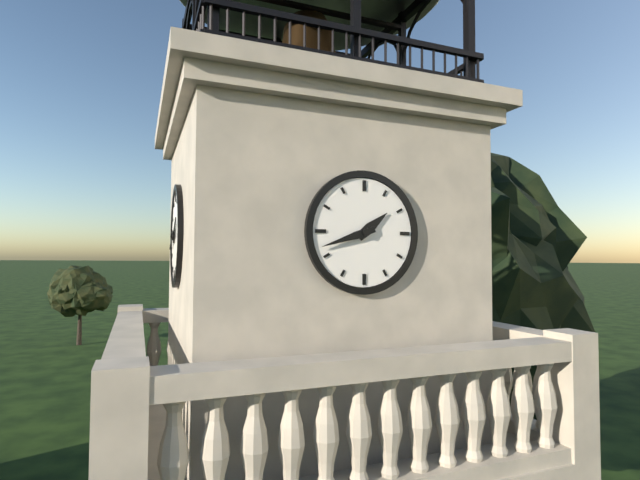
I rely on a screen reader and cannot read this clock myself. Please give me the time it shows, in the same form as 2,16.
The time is 1,42
